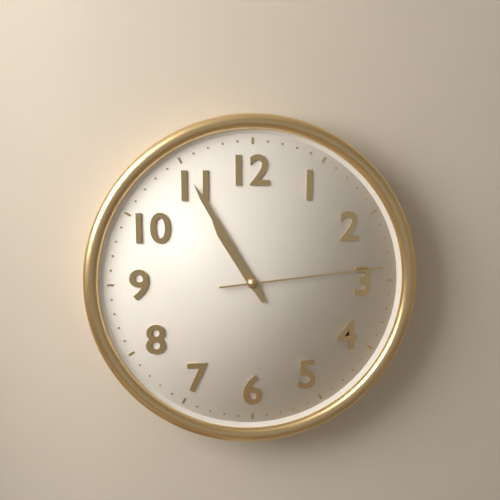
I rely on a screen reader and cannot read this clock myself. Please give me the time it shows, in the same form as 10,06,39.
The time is 10,55,14
